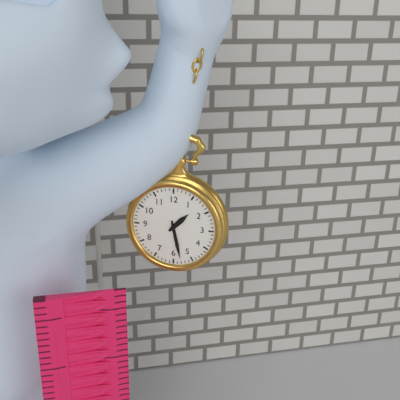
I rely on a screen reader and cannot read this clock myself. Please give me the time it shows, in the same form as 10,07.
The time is 1,28
